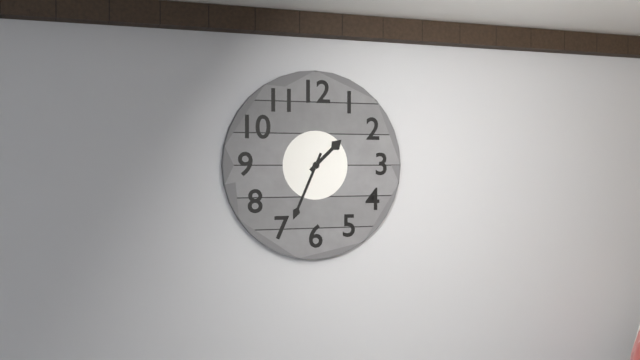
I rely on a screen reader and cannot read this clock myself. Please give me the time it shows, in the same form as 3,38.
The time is 1,34
